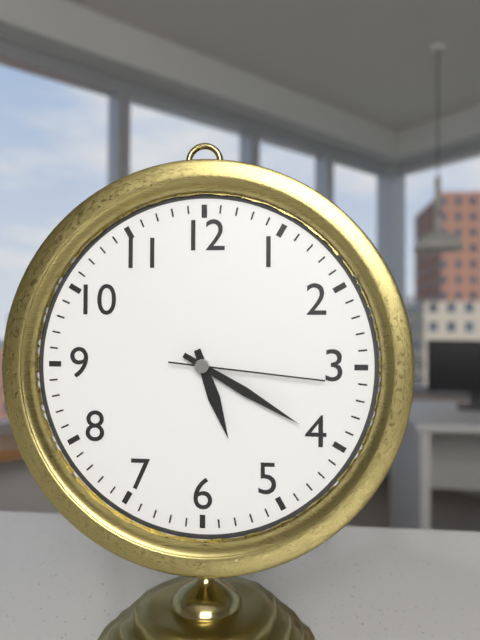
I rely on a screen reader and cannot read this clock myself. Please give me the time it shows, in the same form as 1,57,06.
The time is 5,20,16
